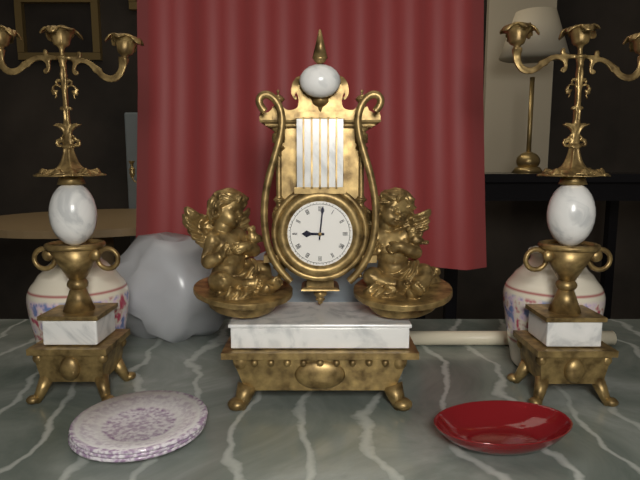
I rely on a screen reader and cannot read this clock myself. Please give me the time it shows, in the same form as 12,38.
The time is 9,01
